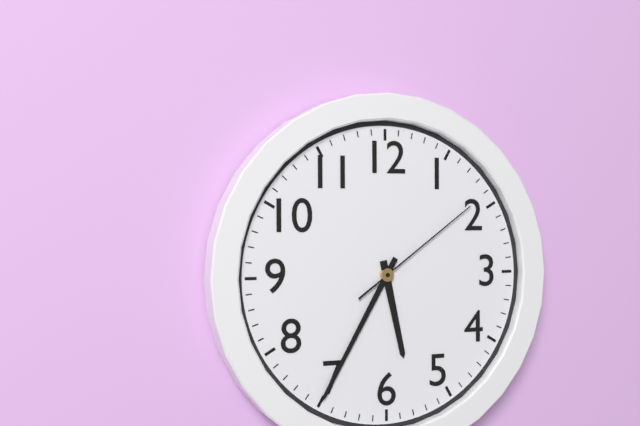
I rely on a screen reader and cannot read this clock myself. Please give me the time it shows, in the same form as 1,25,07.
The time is 5,35,09
